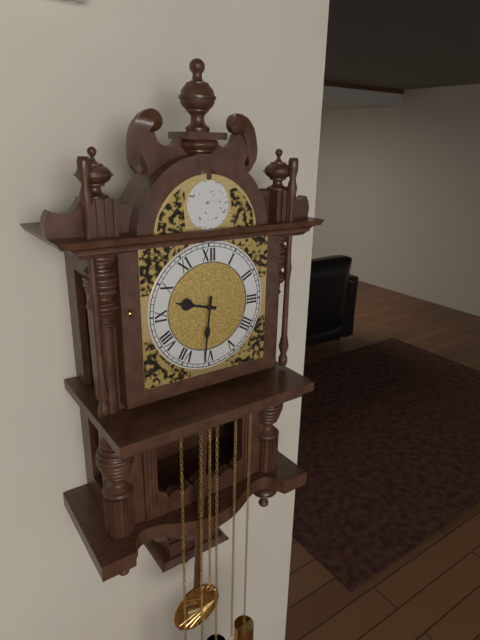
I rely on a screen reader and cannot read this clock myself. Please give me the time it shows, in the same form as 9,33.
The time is 9,31
